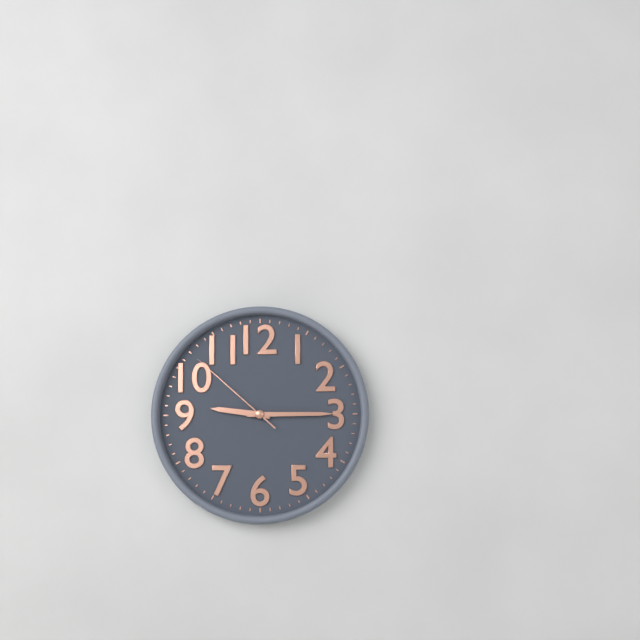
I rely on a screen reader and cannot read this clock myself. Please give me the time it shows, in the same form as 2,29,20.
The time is 9,15,52
